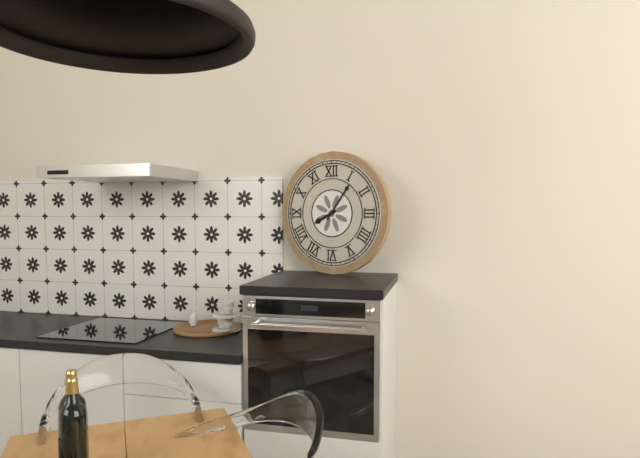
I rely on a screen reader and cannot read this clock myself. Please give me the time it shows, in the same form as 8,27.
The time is 8,06
